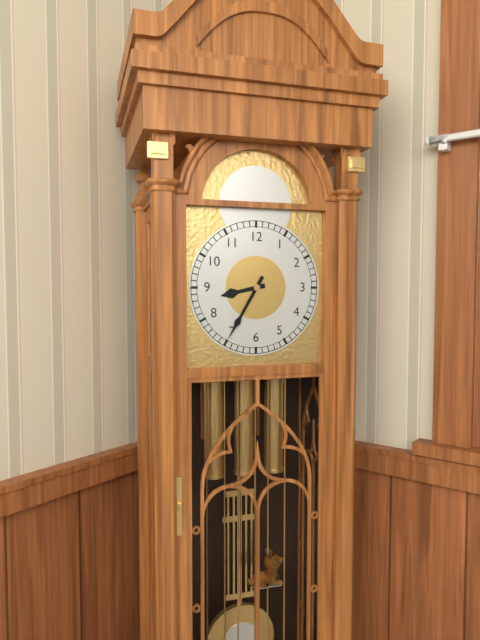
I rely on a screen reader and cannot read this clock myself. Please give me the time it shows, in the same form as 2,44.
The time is 8,35
